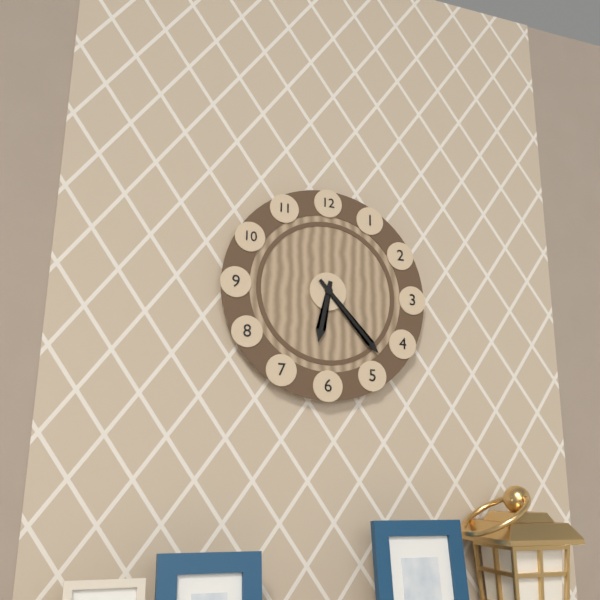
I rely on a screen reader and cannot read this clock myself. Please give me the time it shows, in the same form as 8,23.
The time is 6,23
